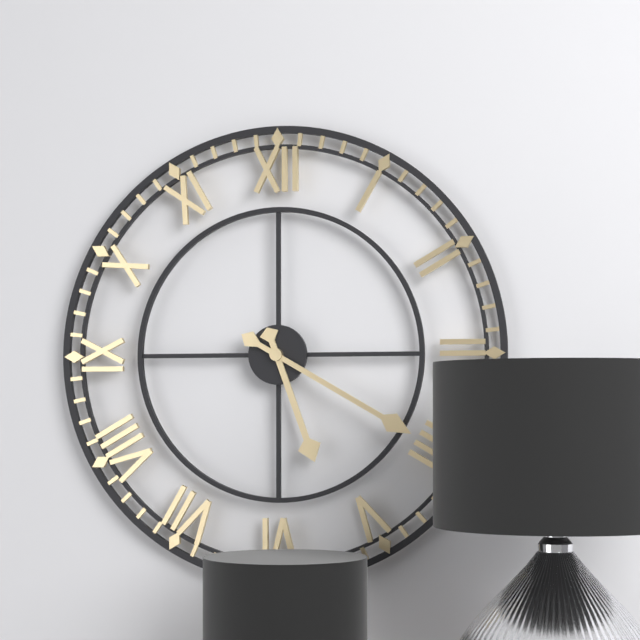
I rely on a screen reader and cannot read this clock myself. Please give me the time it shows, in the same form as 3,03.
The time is 5,20
